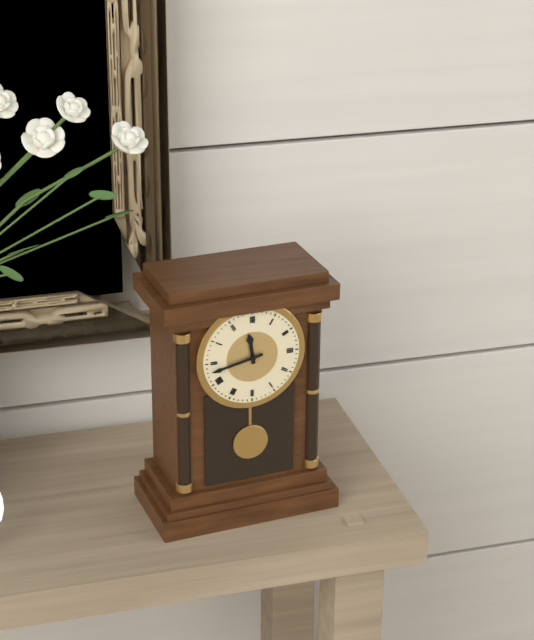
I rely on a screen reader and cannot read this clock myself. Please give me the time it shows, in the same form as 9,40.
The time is 11,43
